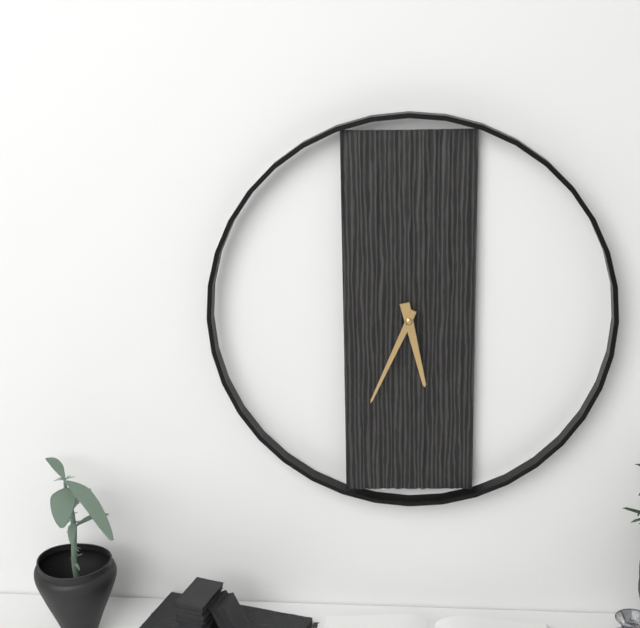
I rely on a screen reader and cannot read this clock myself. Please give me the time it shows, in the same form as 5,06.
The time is 5,34
